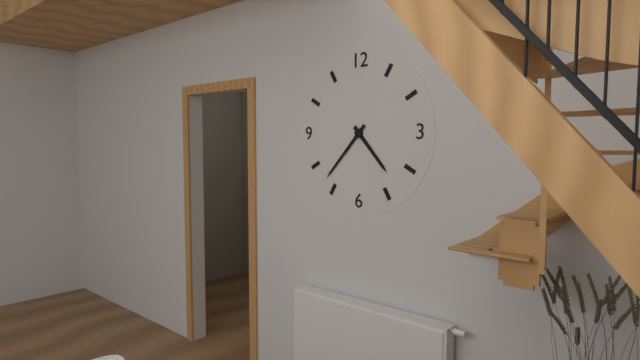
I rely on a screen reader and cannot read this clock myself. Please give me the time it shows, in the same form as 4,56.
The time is 4,37
